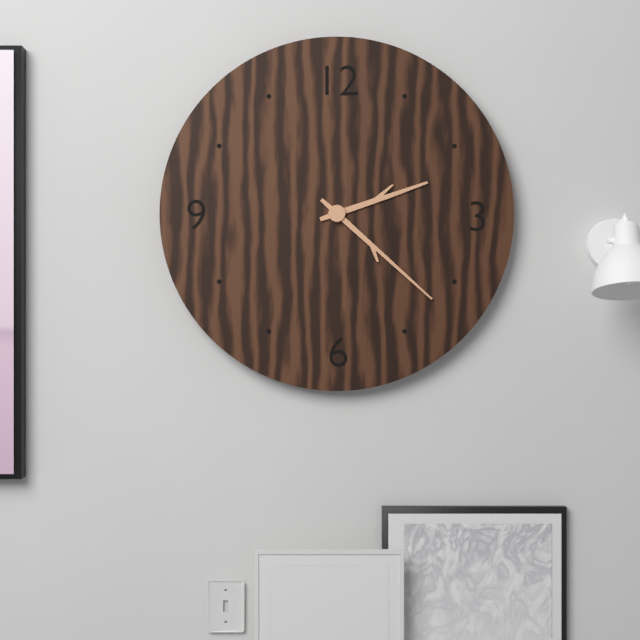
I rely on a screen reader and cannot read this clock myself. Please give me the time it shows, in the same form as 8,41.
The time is 2,22
